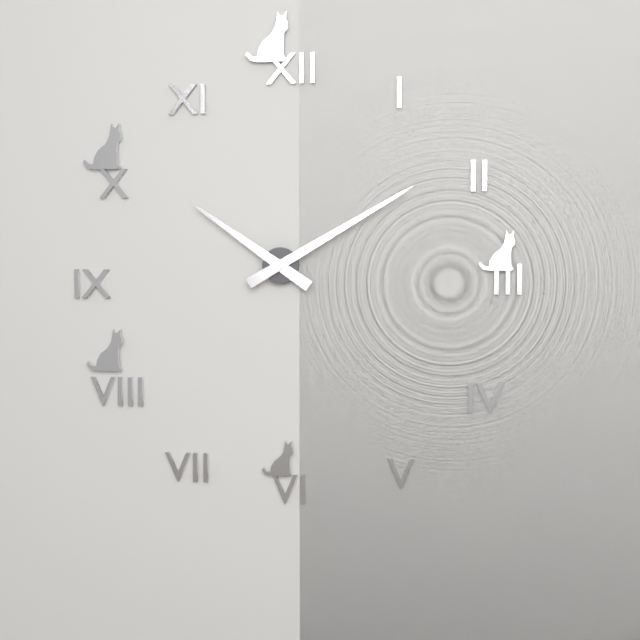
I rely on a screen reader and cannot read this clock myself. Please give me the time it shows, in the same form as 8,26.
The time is 10,10
